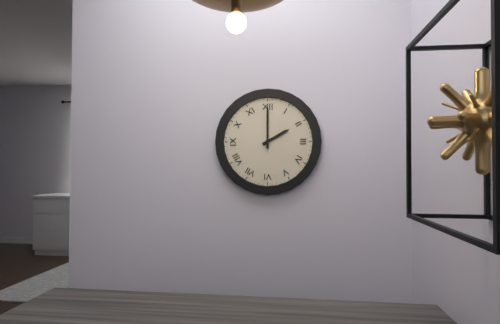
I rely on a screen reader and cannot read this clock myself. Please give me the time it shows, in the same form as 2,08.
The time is 2,00
